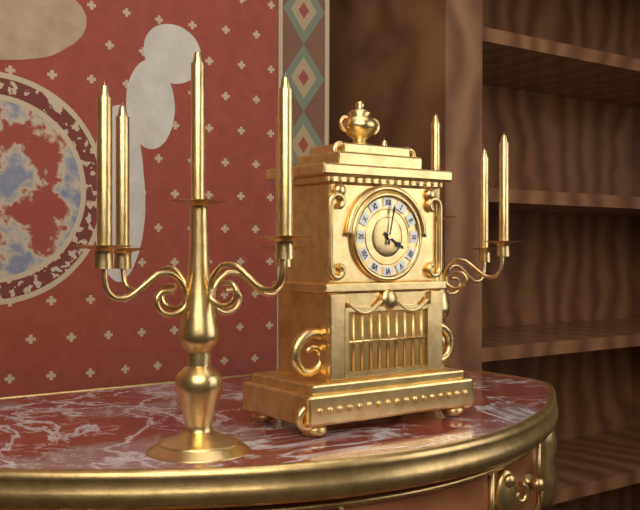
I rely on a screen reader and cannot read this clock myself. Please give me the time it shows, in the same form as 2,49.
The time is 4,02
